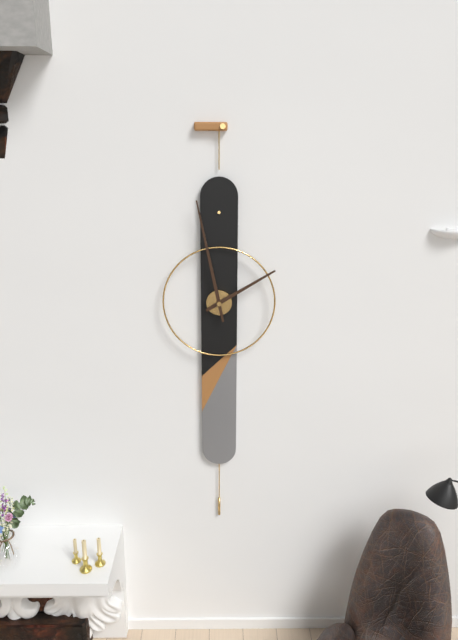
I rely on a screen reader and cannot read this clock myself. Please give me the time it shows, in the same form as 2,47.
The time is 1,58
